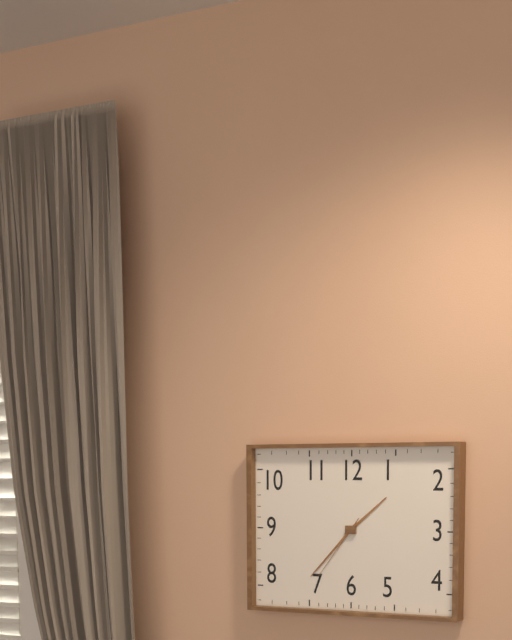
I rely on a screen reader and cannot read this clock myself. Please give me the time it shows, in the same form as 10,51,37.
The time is 1,37,36
